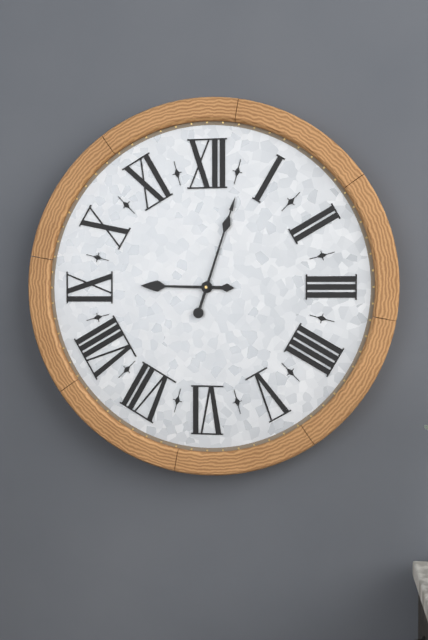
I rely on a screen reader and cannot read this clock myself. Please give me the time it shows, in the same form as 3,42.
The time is 9,03
